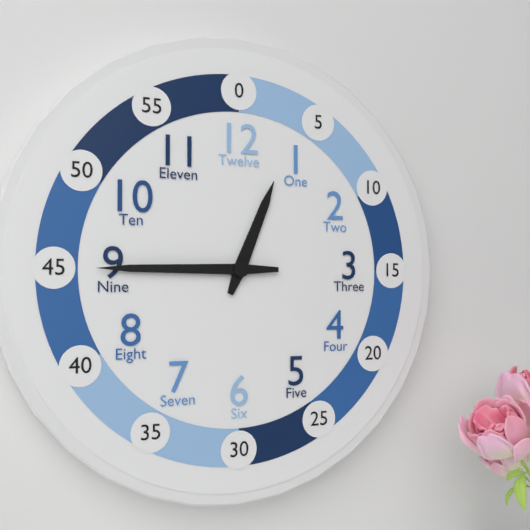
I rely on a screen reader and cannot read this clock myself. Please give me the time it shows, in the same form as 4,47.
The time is 12,45
